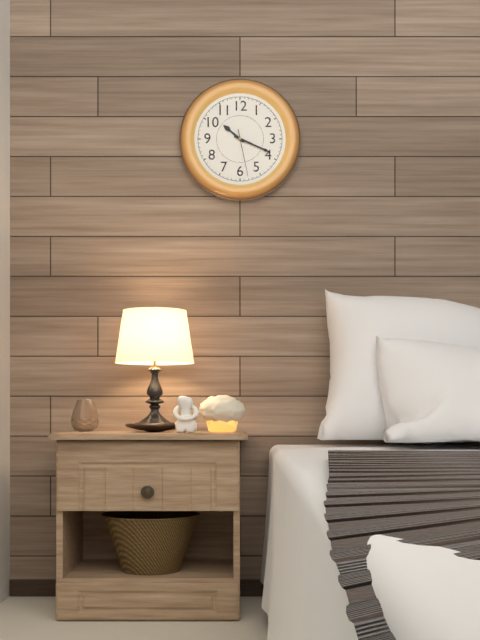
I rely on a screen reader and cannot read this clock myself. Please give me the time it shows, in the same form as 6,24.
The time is 10,19
